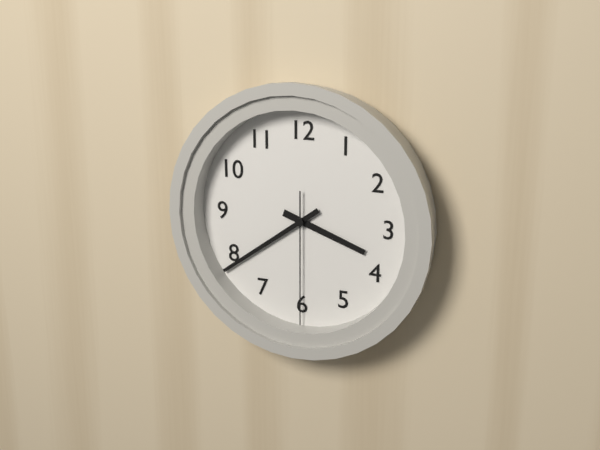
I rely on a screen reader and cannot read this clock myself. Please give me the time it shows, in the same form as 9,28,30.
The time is 3,39,30
